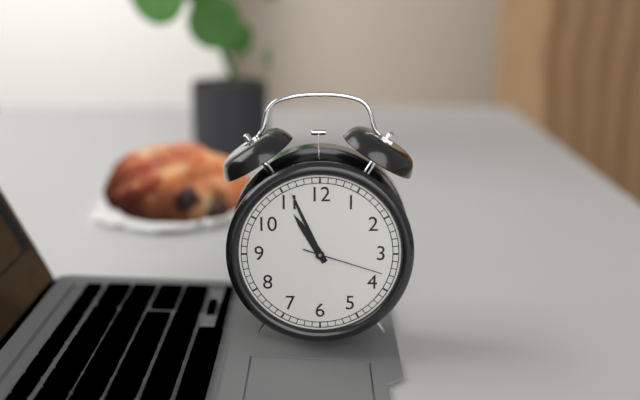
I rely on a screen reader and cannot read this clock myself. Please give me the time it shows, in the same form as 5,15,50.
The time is 10,56,18
